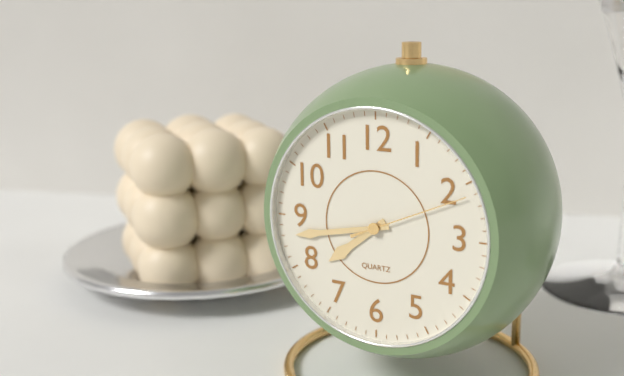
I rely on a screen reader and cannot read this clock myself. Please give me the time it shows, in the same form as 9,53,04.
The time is 7,43,11
